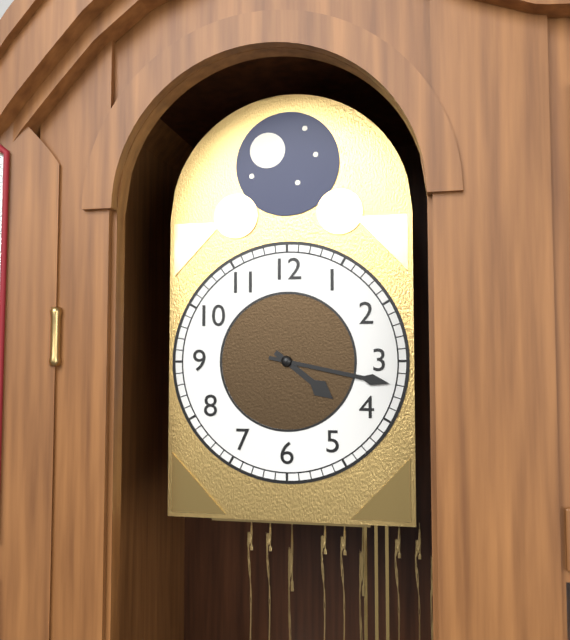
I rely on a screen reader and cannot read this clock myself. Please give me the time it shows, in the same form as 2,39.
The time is 4,17
